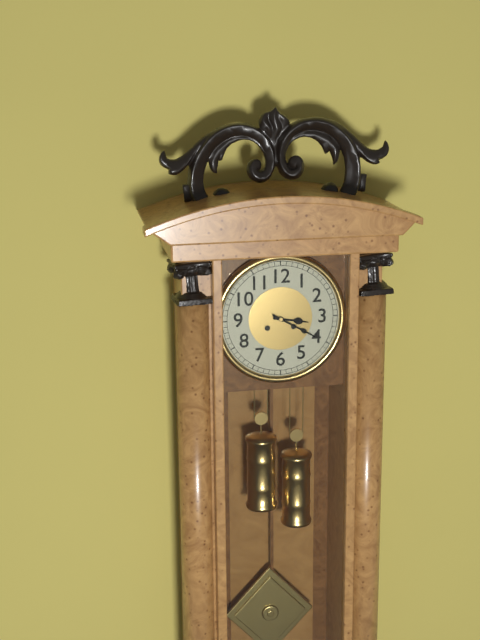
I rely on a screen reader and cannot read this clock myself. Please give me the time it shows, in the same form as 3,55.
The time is 3,20
